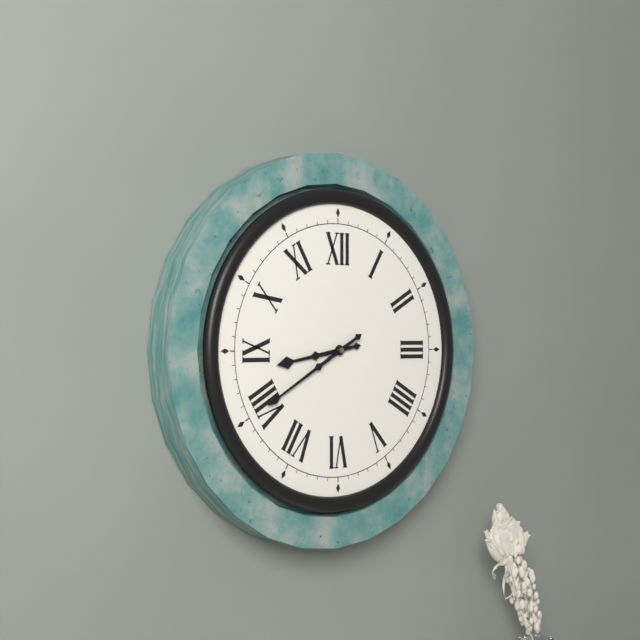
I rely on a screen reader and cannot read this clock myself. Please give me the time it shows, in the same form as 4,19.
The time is 8,40
